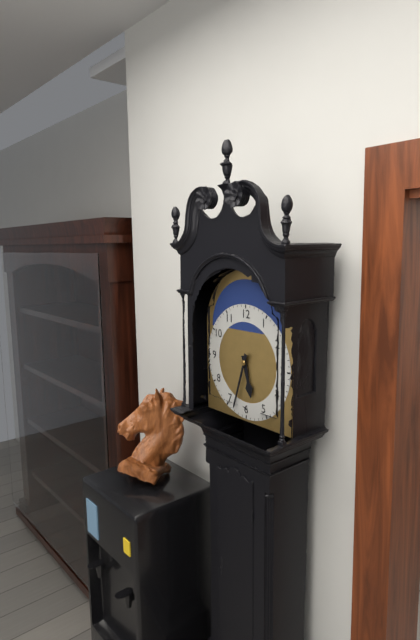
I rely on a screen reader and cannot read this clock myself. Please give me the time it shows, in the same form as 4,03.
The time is 5,33
